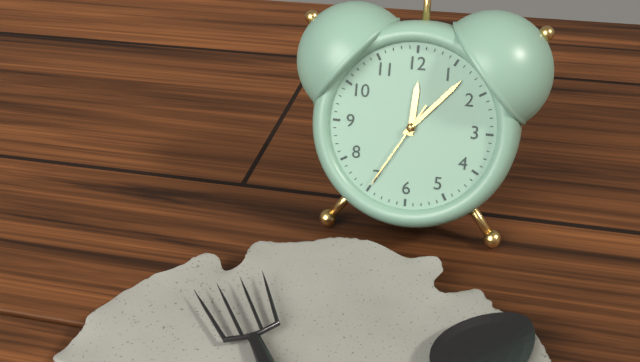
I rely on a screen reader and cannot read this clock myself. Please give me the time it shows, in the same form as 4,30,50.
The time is 12,07,35
